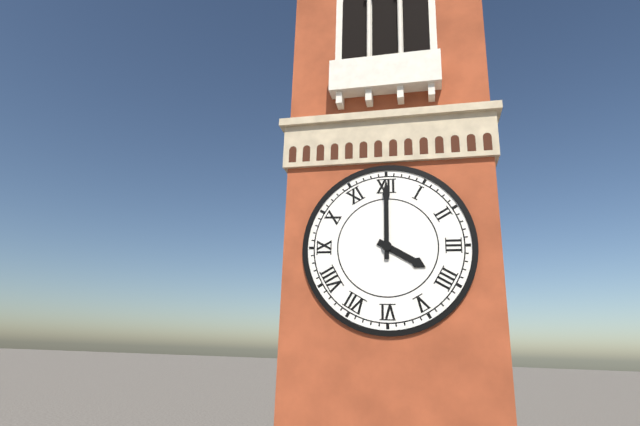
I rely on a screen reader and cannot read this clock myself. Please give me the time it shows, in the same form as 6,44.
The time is 4,00
